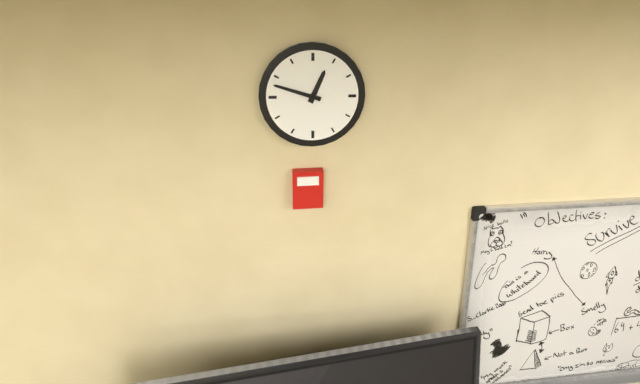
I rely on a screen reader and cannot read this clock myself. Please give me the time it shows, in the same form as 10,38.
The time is 12,48
